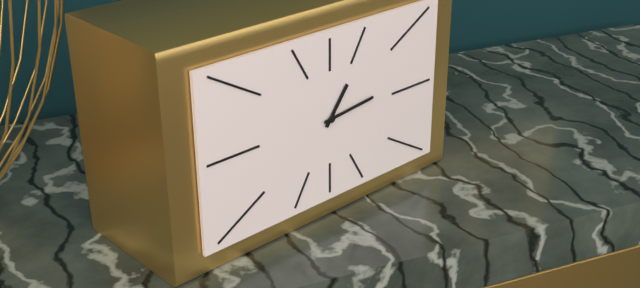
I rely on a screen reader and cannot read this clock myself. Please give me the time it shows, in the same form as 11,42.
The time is 1,14
